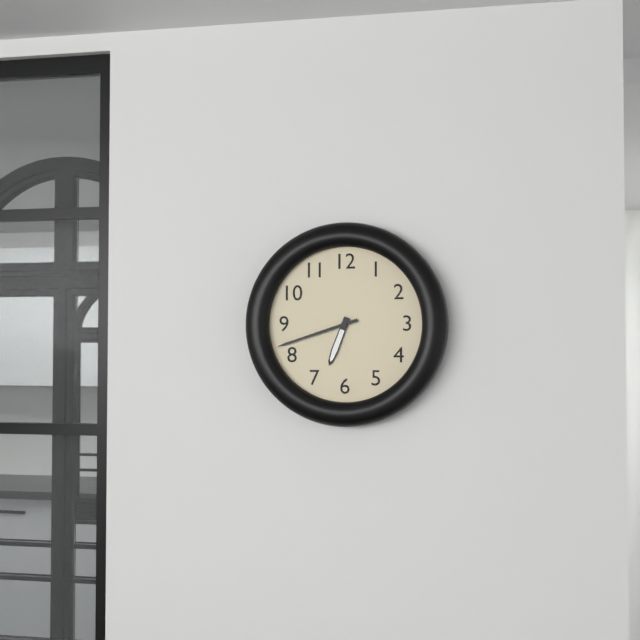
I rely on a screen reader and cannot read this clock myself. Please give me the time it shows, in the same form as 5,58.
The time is 6,42
